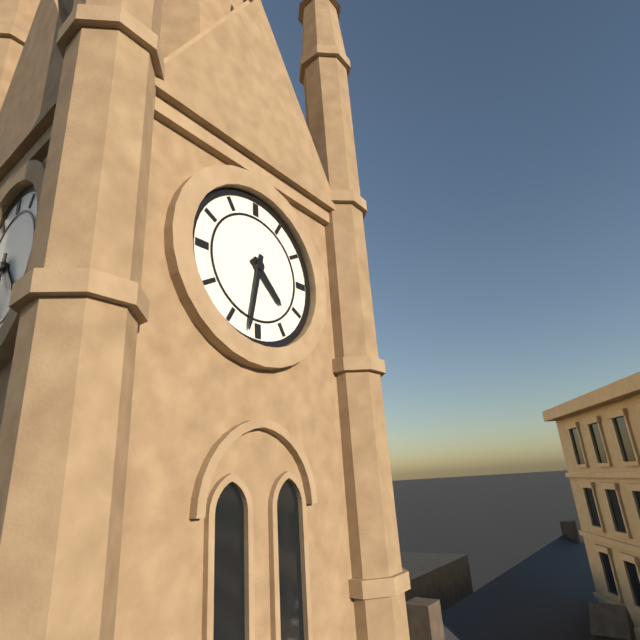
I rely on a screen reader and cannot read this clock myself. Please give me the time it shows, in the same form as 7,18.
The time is 4,32
